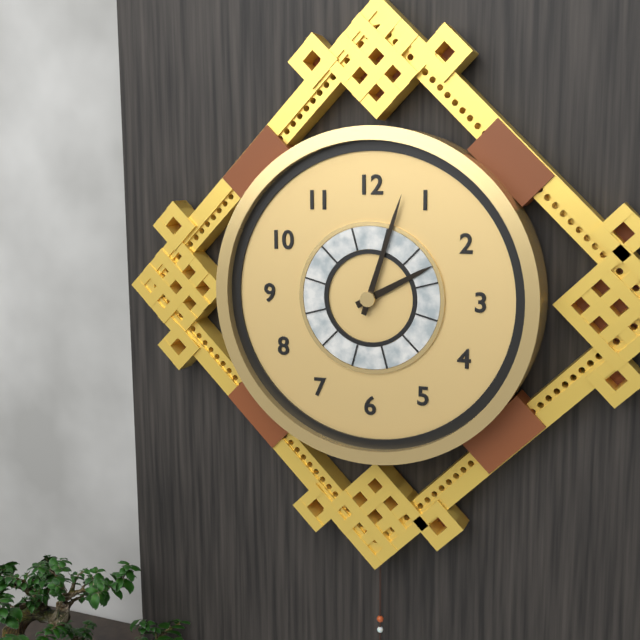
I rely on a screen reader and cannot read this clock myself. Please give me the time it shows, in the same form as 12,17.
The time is 2,03
